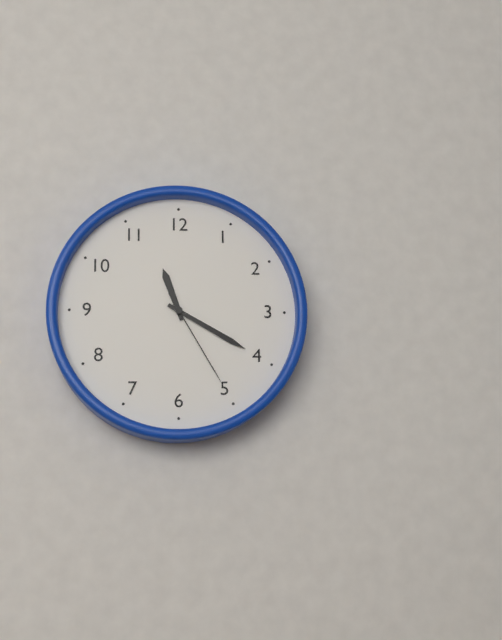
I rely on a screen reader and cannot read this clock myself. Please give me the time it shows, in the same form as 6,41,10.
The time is 11,20,25
